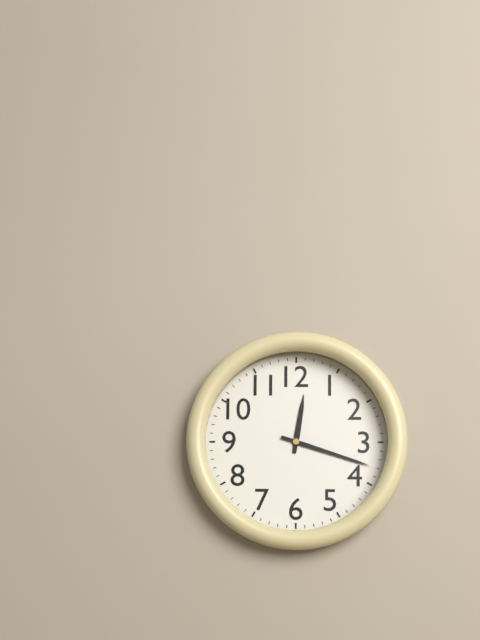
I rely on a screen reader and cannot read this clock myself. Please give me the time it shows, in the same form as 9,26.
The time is 12,18
